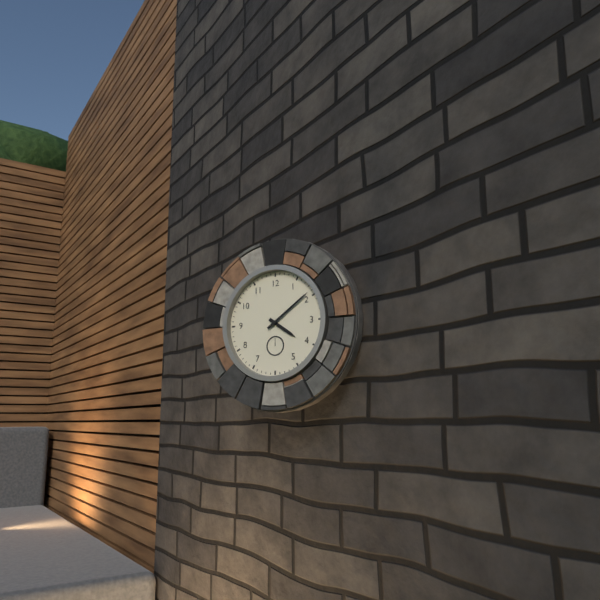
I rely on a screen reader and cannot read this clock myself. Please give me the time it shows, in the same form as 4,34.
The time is 4,09
